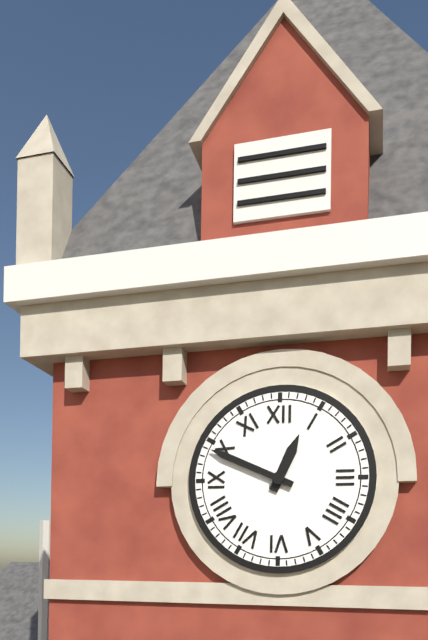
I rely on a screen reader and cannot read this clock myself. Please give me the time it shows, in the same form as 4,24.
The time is 12,49
